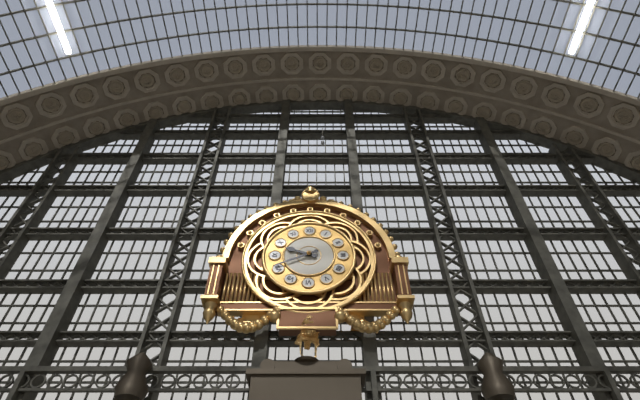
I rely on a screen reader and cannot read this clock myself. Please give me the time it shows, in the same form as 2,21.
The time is 9,41
